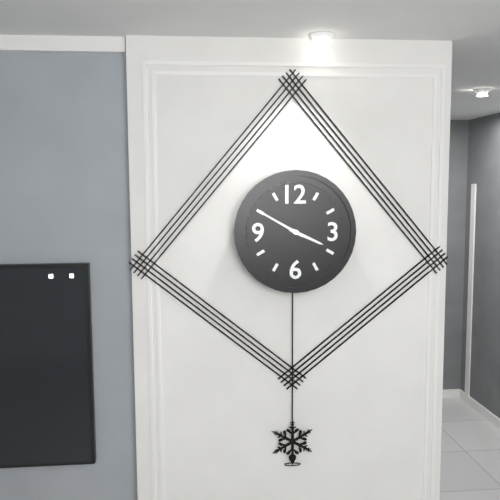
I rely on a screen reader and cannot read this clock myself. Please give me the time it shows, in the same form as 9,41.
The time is 3,50
